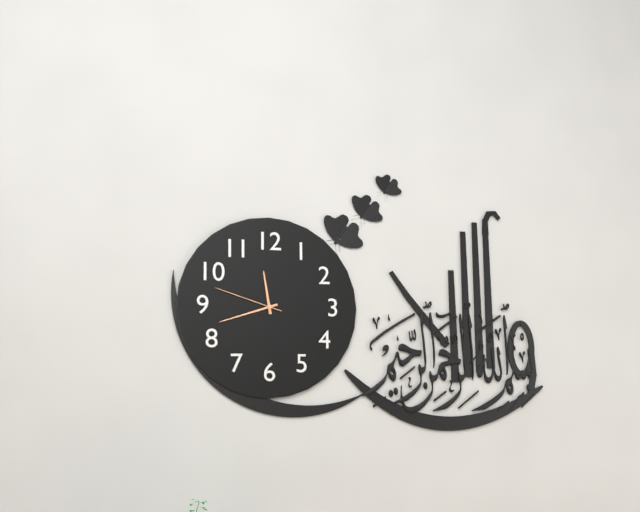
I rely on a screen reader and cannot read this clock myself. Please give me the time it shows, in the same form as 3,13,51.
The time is 11,42,48
